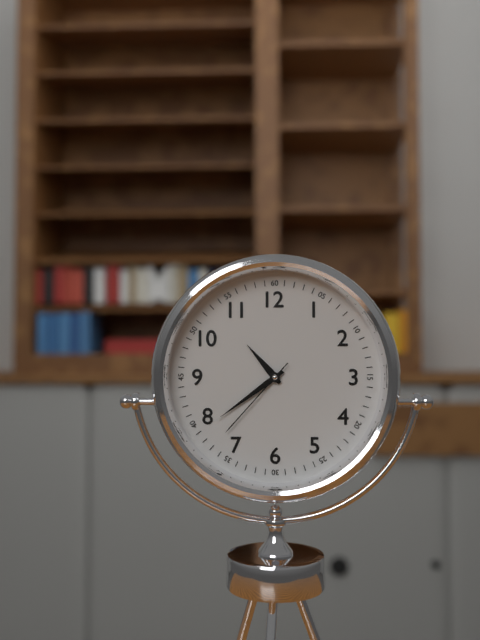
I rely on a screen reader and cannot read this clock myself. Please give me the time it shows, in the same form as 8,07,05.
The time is 10,39,37
